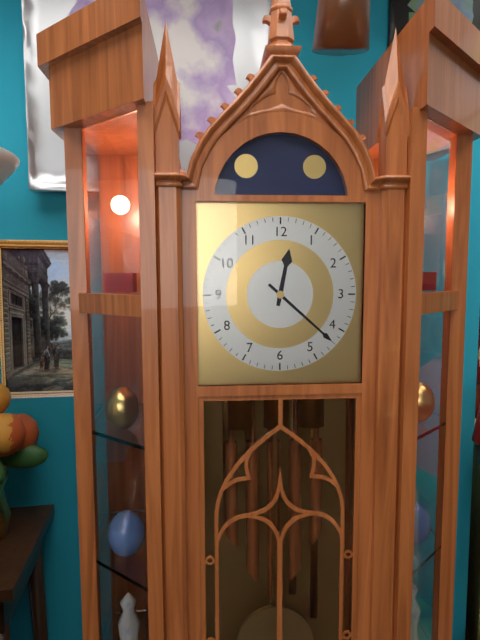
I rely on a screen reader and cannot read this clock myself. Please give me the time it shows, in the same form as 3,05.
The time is 12,22
